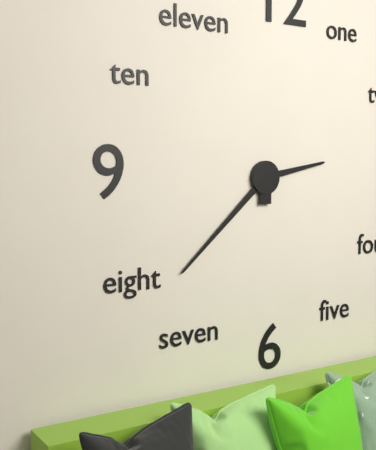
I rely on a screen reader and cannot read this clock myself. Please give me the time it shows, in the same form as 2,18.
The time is 2,38
